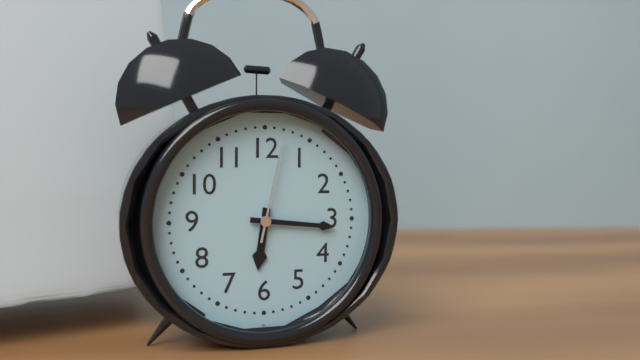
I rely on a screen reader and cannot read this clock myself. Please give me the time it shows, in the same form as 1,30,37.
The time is 6,16,02
